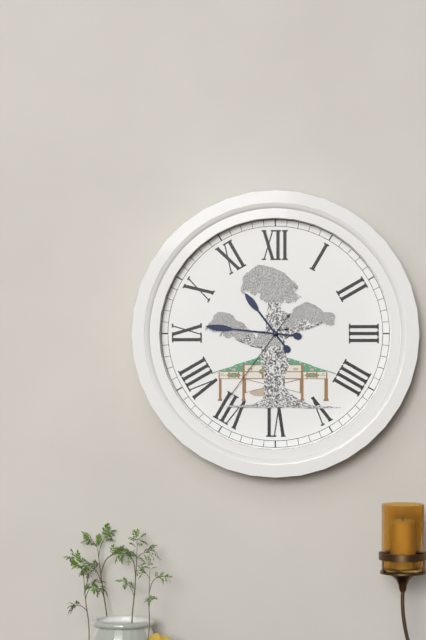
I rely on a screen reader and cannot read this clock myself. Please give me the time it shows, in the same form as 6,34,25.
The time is 10,46,36
